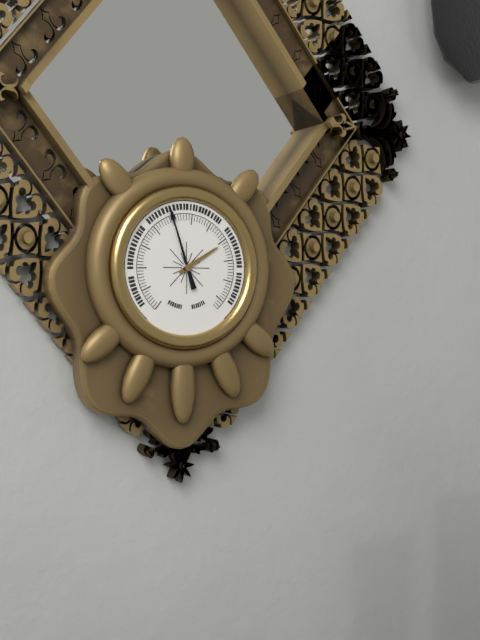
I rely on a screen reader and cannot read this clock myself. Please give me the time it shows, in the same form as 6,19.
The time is 1,57
